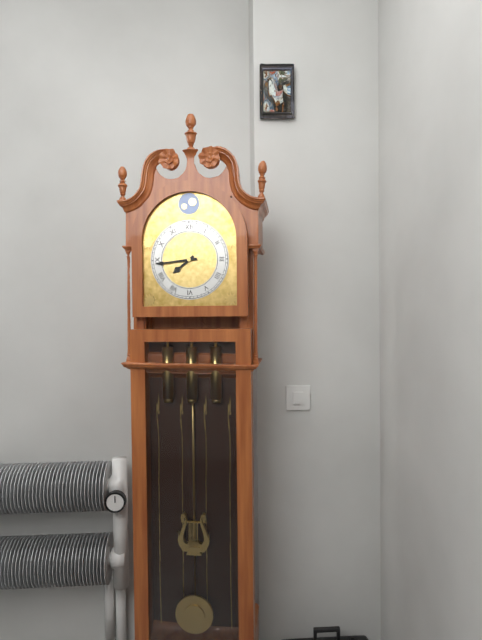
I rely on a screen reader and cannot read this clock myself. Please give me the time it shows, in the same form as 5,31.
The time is 7,44
